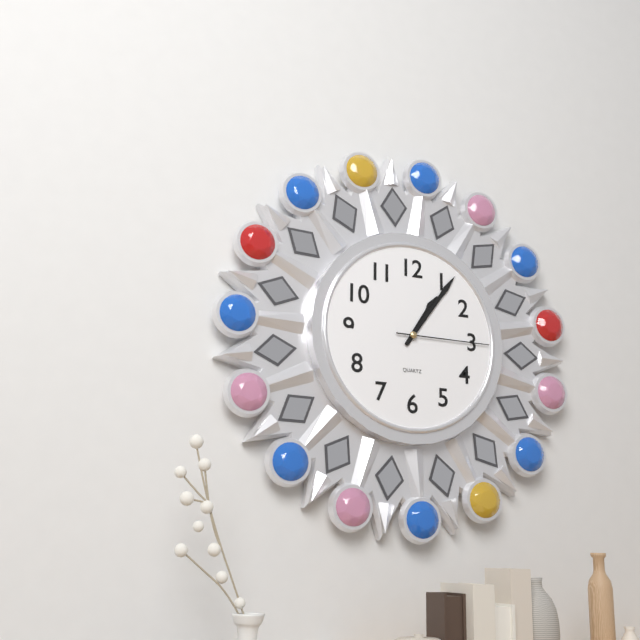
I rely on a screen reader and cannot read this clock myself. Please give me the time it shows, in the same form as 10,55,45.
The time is 1,06,15
